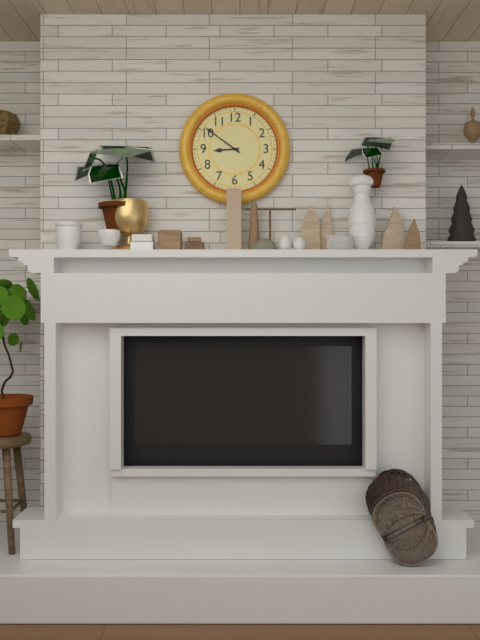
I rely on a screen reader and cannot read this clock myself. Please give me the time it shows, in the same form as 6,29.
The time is 8,51
